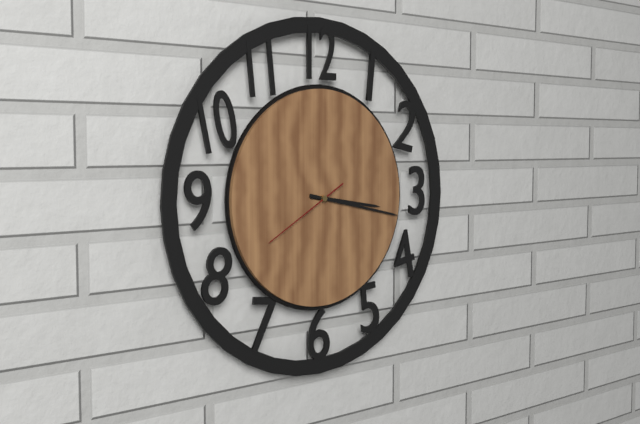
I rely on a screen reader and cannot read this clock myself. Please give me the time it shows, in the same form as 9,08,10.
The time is 3,17,40
